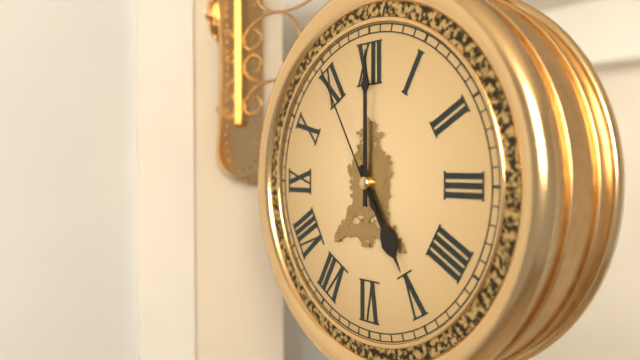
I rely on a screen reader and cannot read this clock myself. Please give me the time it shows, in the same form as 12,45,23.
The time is 5,00,55
